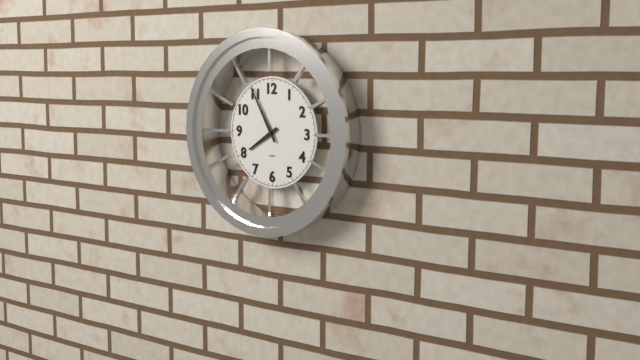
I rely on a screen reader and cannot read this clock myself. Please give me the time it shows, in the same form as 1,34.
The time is 7,55
